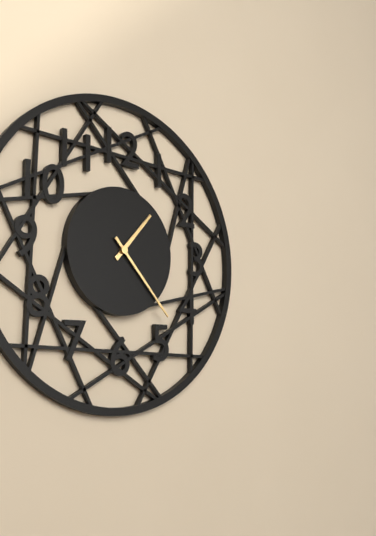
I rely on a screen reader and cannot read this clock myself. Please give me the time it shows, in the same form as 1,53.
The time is 1,23
